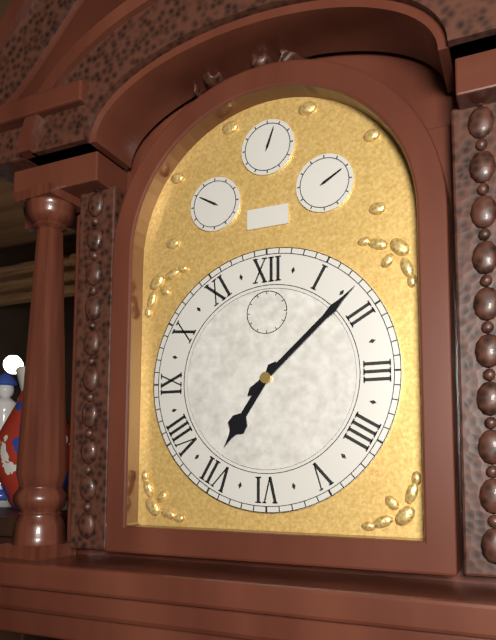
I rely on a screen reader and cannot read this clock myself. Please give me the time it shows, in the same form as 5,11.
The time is 7,08
